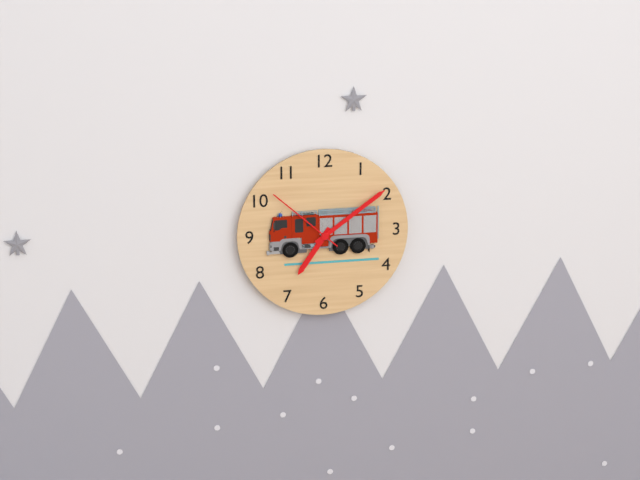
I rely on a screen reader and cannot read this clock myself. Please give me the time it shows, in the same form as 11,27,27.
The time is 7,09,52
